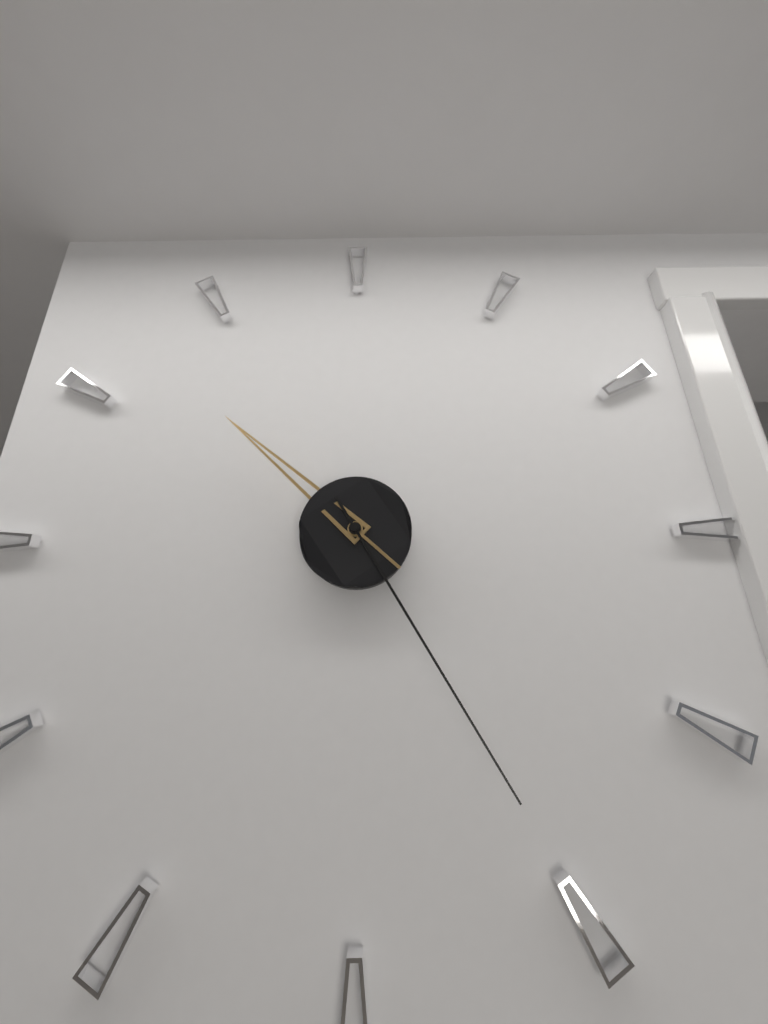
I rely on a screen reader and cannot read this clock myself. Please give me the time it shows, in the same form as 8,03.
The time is 10,25
